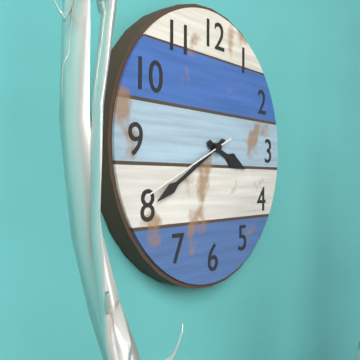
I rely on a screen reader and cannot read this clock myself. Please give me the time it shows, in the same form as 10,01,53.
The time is 3,40,41
